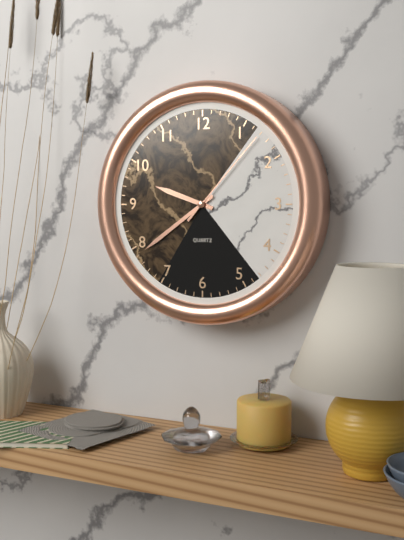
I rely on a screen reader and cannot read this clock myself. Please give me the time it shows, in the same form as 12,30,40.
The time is 9,39,07
